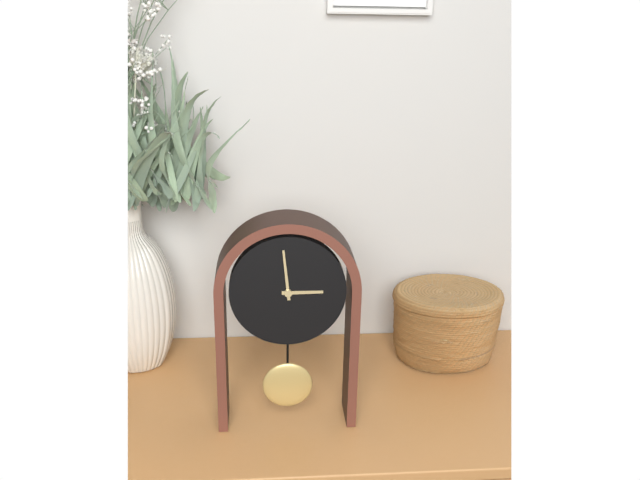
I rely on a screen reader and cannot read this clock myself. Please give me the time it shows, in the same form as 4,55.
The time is 2,59
